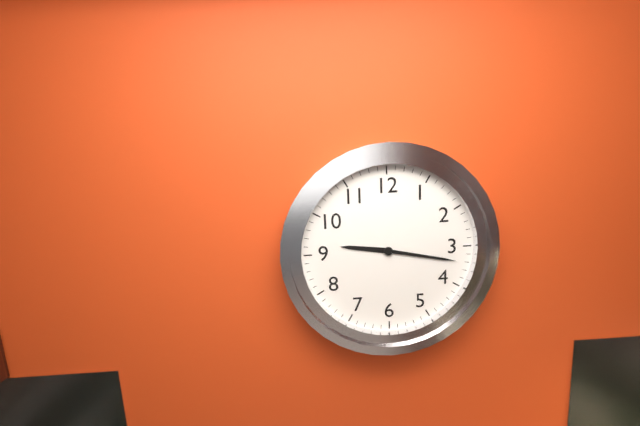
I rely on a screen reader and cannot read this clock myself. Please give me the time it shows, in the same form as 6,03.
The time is 9,17
